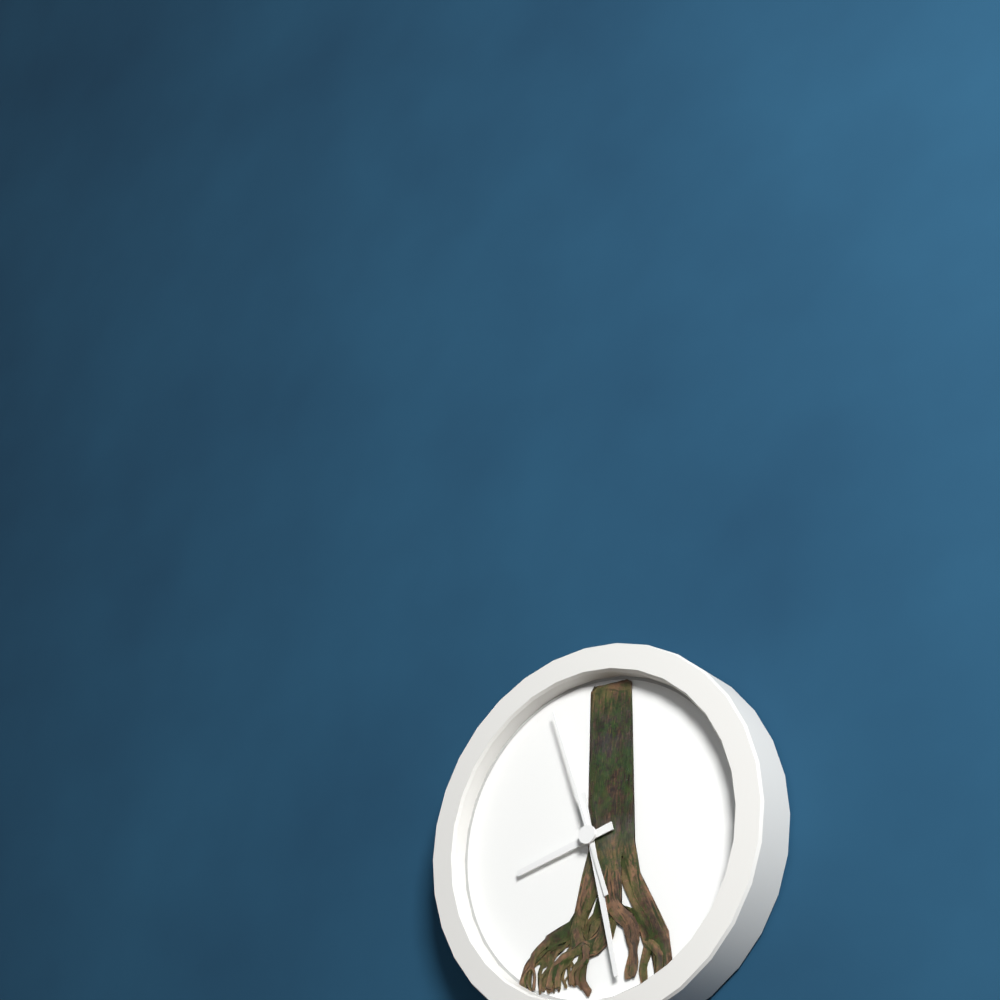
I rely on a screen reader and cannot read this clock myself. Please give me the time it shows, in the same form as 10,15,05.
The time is 8,28,57
